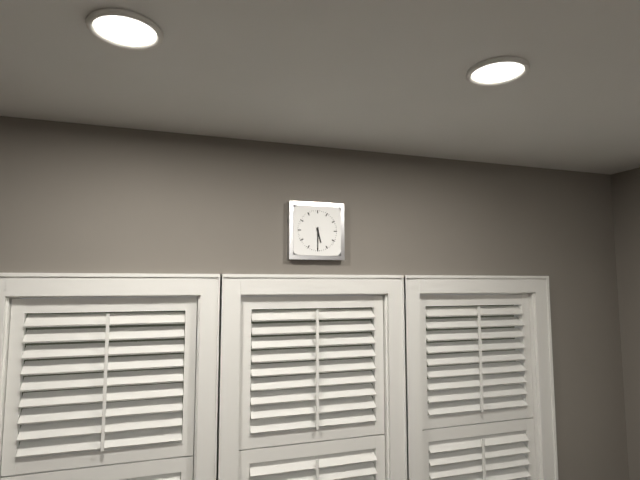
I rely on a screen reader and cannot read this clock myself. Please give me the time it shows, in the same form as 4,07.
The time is 5,30
